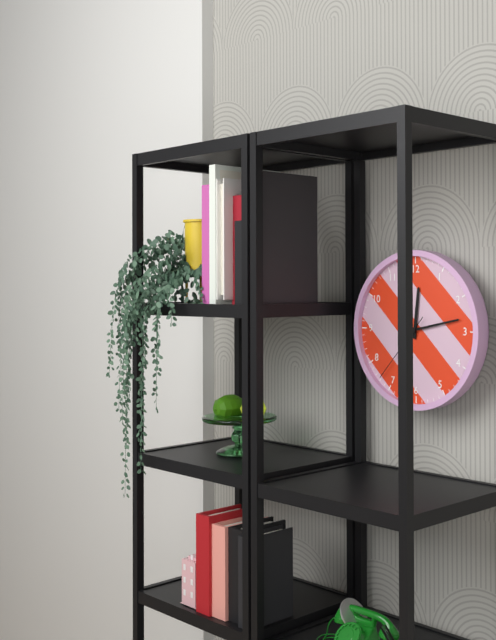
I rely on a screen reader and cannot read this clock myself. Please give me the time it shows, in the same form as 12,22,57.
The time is 12,13,37
